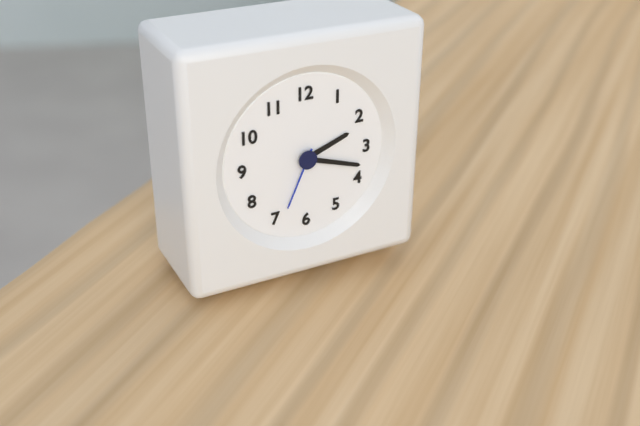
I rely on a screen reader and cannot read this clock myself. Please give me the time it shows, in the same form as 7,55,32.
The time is 2,18,34
